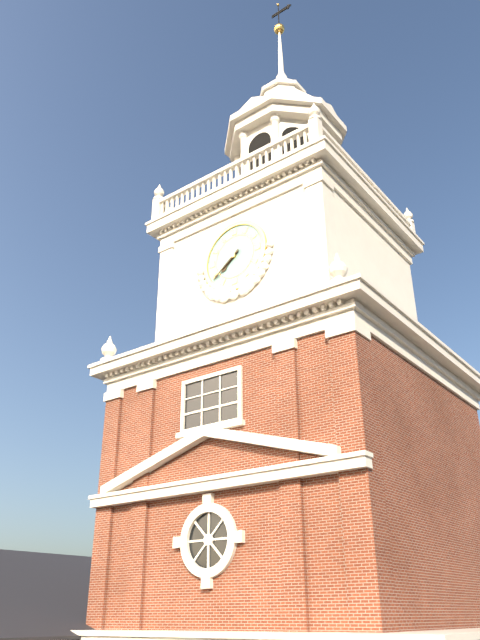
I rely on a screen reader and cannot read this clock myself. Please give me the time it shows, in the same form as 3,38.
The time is 7,39
